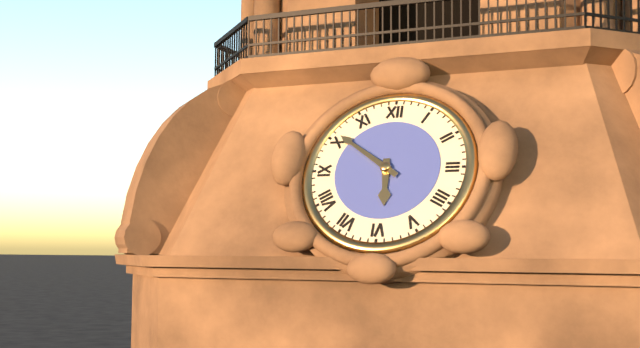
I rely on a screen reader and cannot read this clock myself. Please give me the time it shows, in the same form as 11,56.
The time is 5,51
